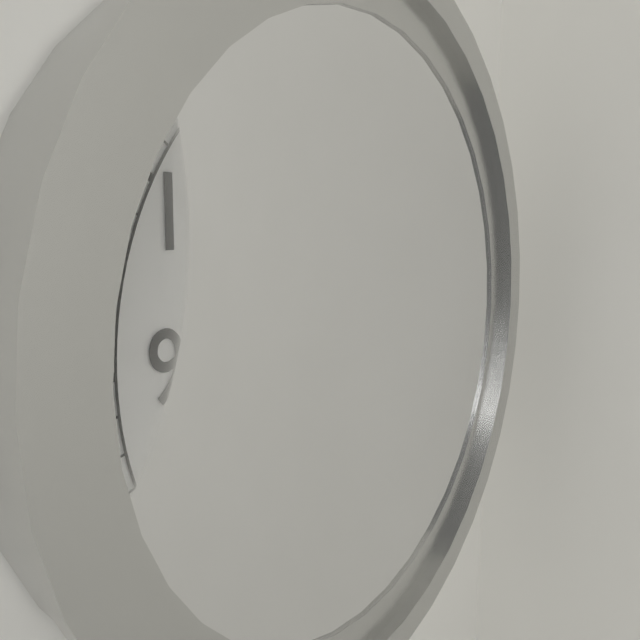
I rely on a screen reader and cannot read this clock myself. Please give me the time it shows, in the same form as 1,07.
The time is 12,52
